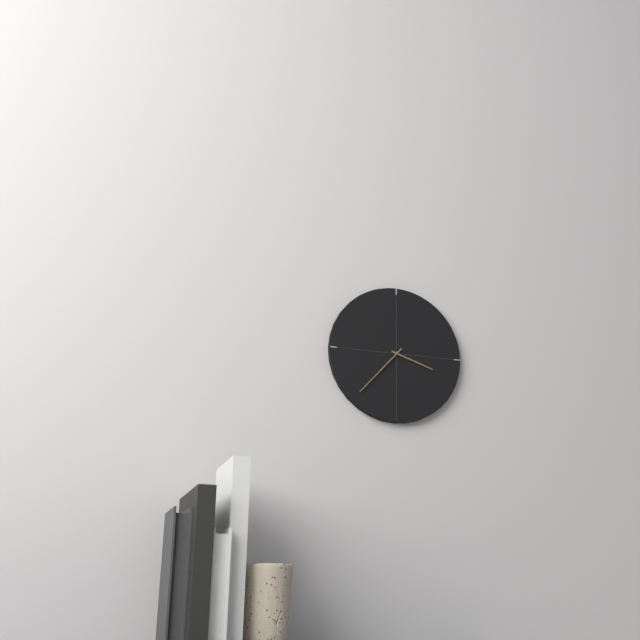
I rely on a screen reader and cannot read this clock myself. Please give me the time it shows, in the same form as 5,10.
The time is 3,37
